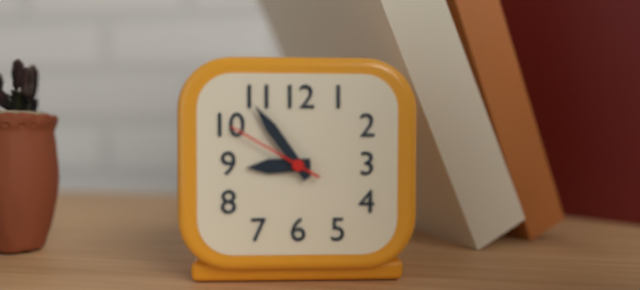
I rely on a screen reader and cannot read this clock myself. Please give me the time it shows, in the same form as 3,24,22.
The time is 8,54,50
